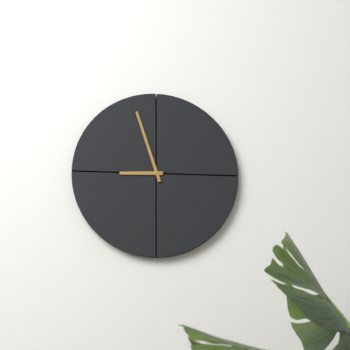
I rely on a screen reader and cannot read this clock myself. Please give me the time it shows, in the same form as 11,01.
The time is 8,57
